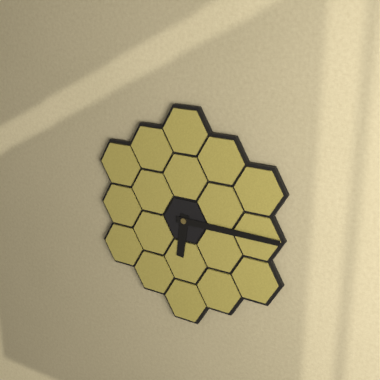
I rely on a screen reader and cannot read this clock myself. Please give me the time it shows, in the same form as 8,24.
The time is 6,15
